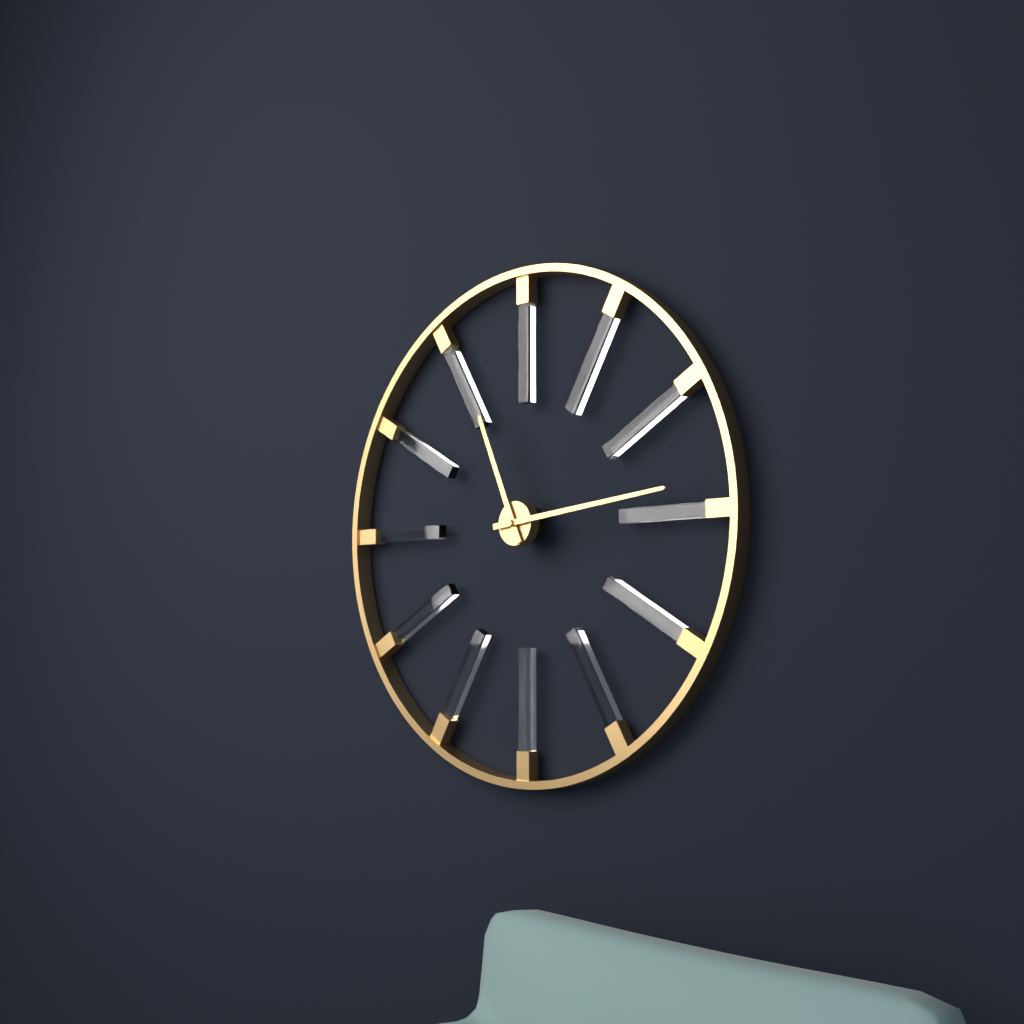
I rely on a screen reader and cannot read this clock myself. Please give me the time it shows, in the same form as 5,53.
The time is 11,14
